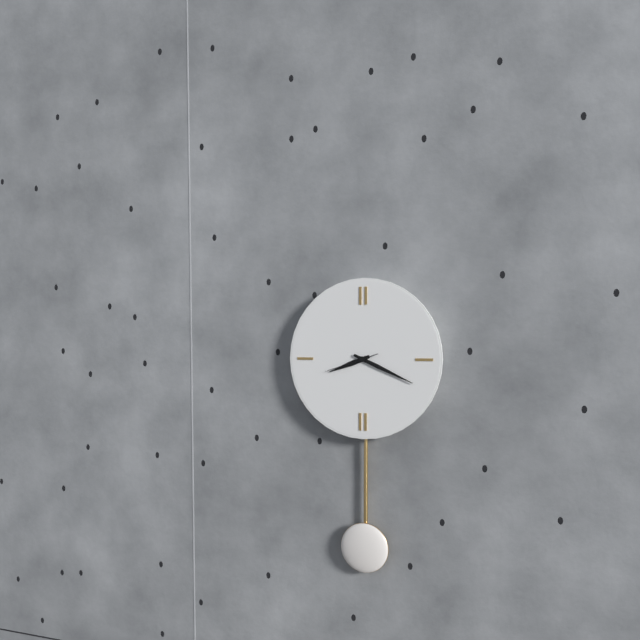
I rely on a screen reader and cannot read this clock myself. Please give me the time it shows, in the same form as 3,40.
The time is 8,19
